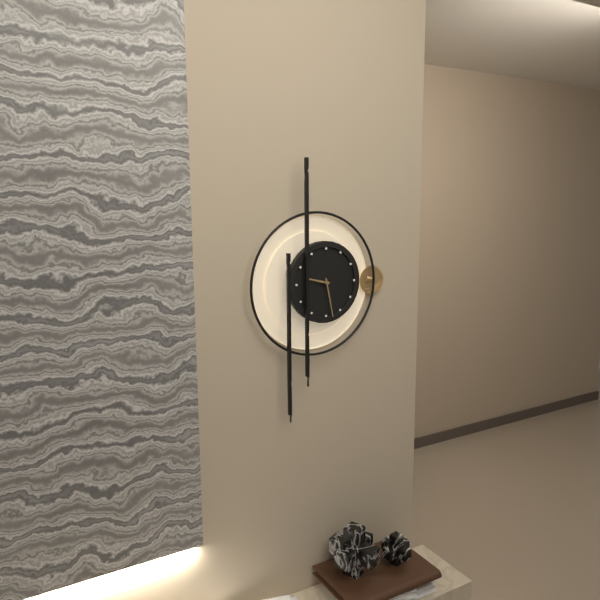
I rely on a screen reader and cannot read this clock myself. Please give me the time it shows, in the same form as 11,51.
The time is 9,28
